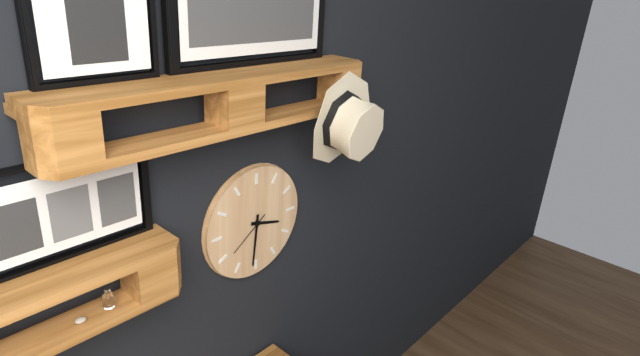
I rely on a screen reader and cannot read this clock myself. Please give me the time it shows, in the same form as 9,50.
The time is 3,31
